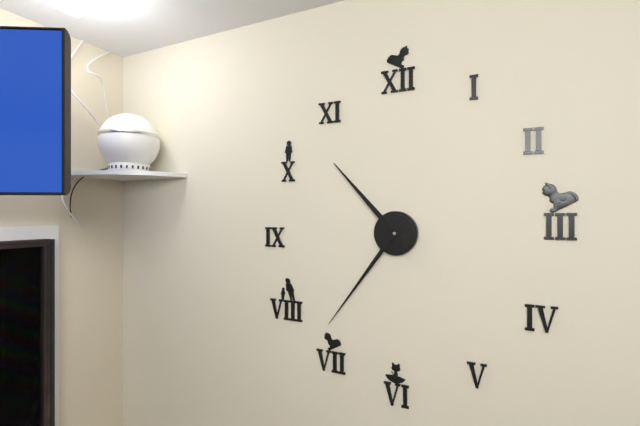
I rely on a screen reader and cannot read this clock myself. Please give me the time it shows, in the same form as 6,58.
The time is 10,36
